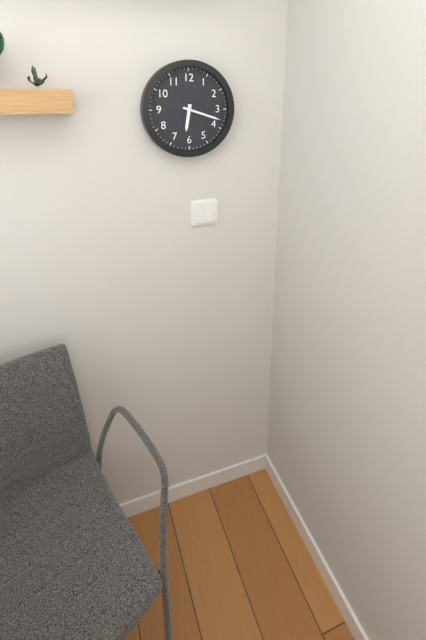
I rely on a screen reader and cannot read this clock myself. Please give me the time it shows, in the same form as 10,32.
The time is 6,18
